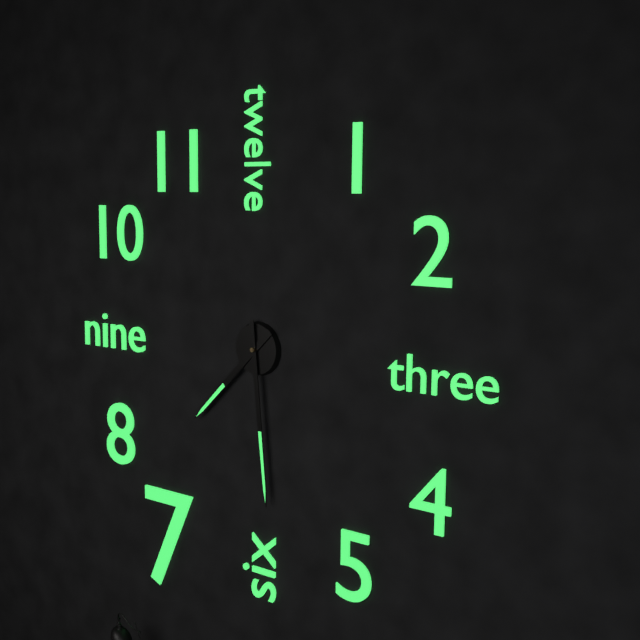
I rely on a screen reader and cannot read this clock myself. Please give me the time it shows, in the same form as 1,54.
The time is 7,29
